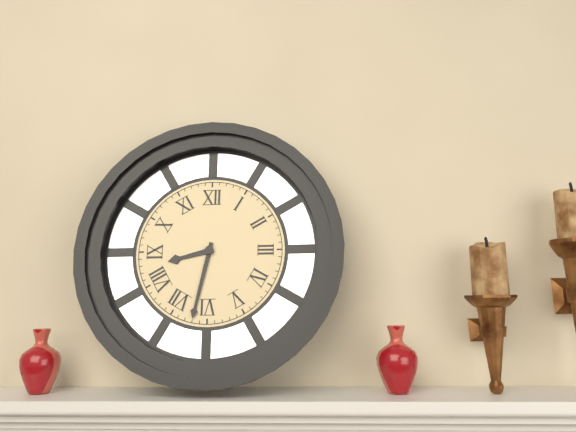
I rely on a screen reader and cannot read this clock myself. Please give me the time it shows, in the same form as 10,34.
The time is 8,32
